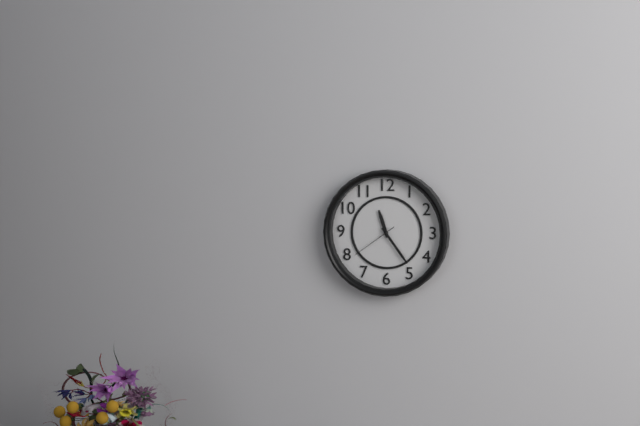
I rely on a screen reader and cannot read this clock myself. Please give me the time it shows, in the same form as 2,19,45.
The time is 11,24,39
